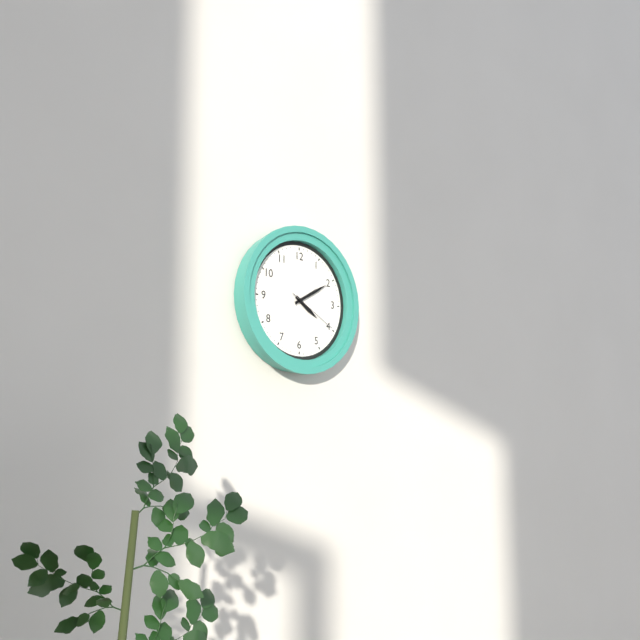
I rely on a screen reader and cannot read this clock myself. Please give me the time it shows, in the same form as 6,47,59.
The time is 4,10,20
